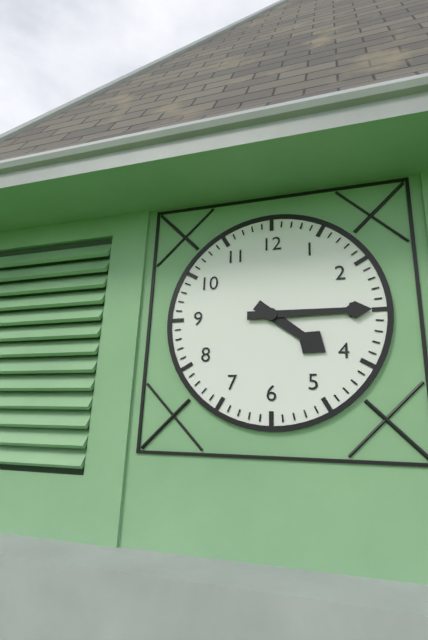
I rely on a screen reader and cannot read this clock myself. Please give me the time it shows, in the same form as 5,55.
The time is 4,15
